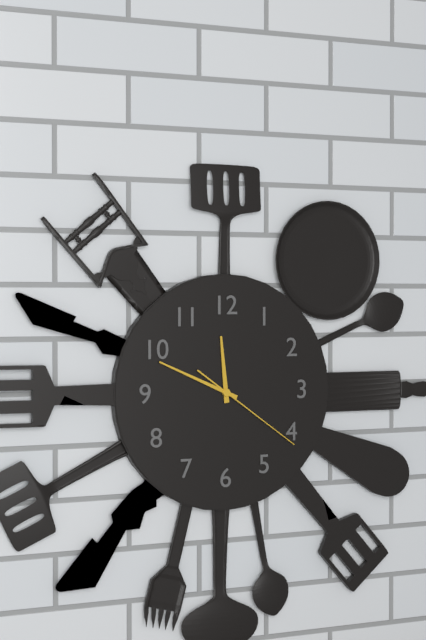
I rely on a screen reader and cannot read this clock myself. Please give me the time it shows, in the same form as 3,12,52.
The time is 11,49,21
